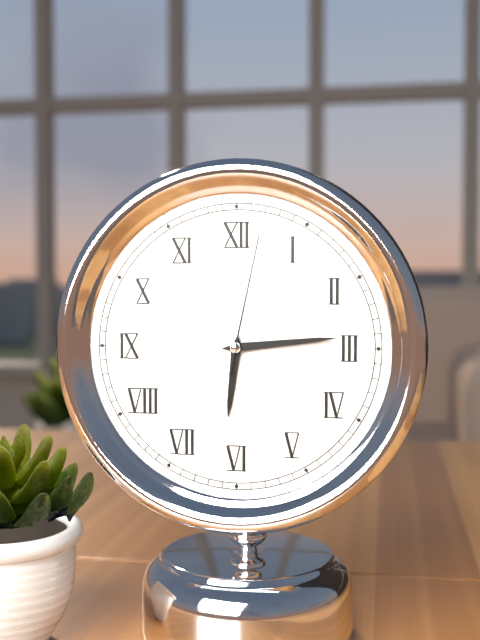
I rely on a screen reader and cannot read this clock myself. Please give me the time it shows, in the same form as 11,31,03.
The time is 6,14,02
